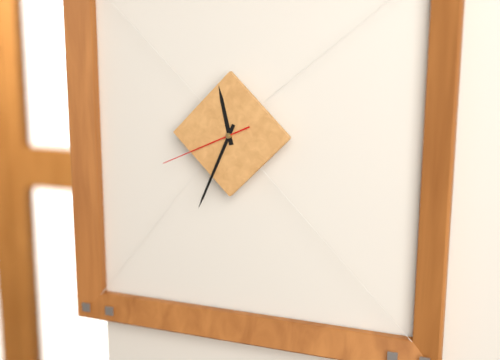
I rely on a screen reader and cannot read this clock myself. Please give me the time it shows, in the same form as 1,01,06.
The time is 11,34,41
